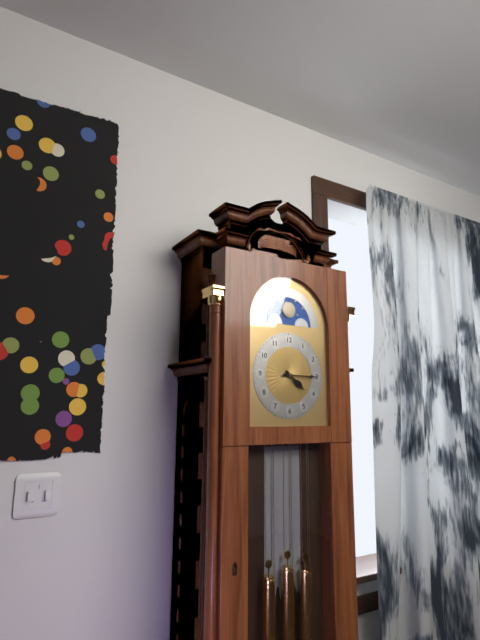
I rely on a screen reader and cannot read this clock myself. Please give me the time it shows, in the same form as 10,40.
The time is 4,15
